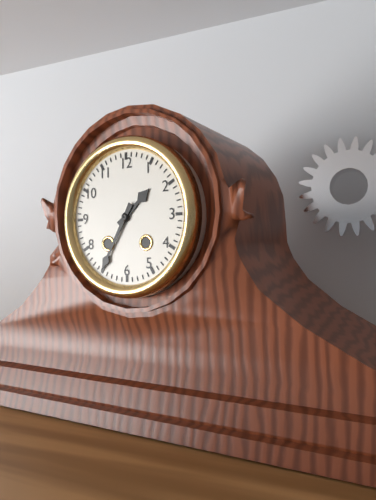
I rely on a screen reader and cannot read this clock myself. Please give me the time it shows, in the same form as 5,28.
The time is 1,35
